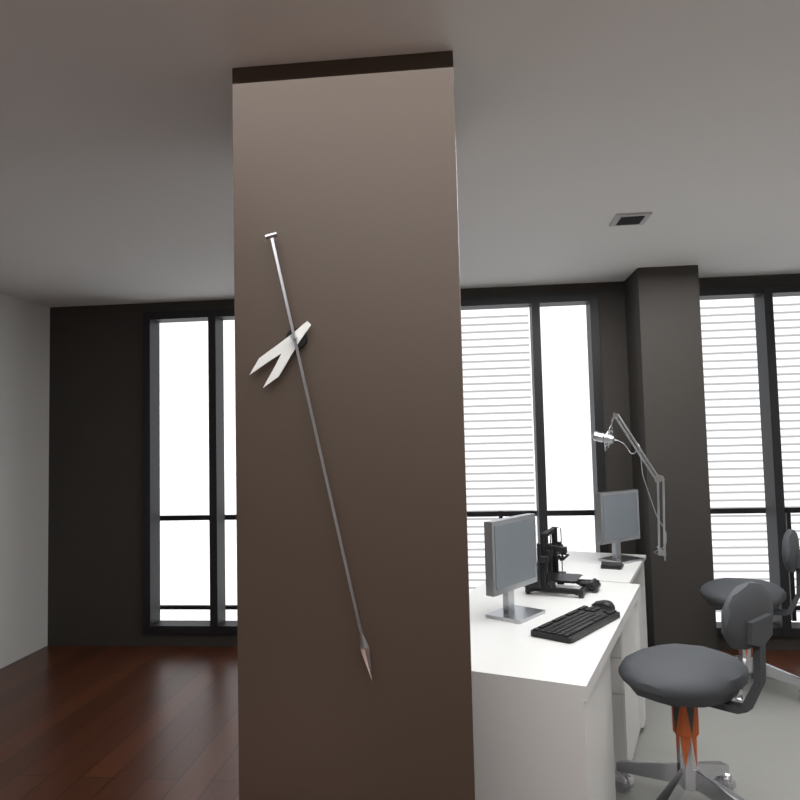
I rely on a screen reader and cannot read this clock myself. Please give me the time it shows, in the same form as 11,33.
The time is 7,28
